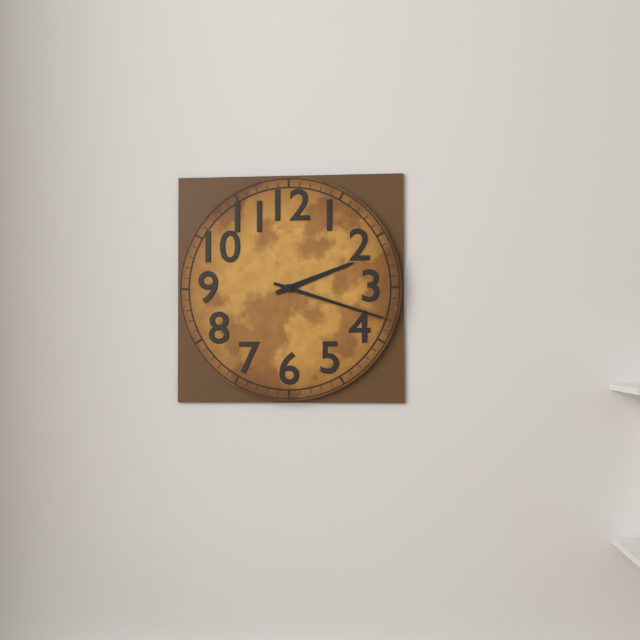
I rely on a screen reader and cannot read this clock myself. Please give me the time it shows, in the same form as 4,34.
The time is 2,18
